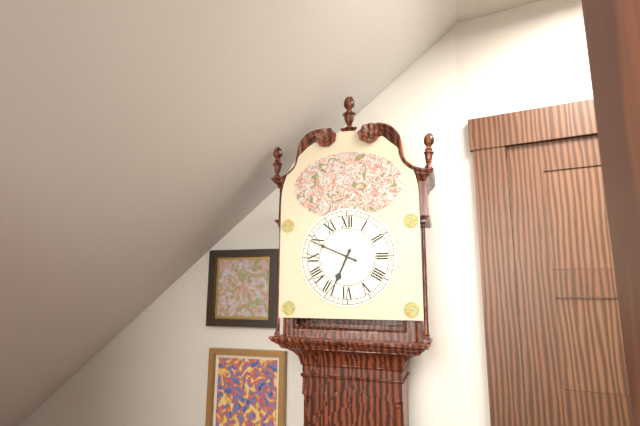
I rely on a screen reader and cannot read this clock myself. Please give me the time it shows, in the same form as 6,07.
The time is 6,49
